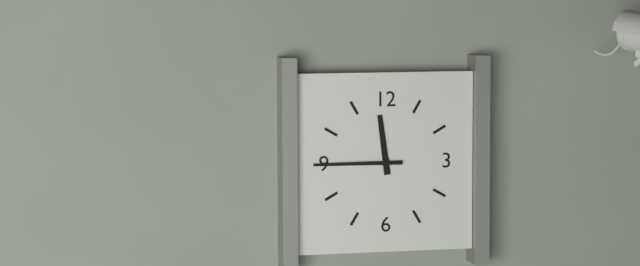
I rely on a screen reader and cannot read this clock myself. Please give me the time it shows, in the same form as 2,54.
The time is 11,45
